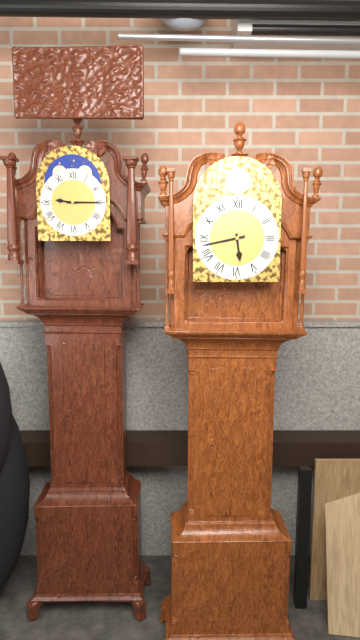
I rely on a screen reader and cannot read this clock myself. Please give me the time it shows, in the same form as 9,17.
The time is 5,43
